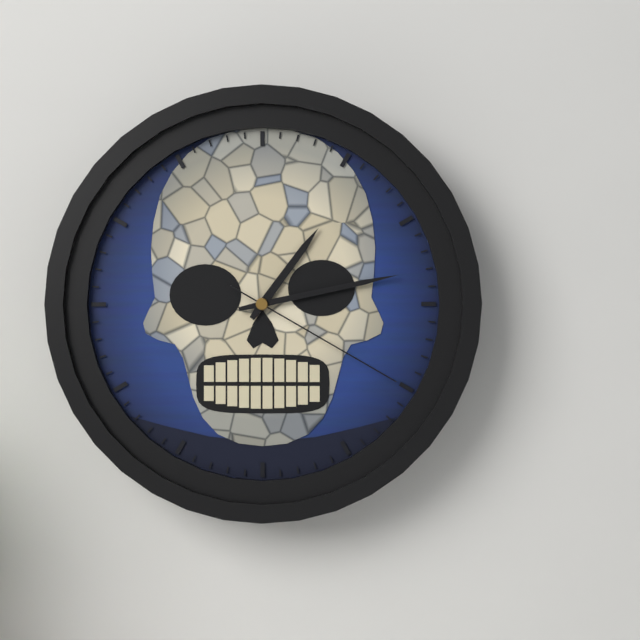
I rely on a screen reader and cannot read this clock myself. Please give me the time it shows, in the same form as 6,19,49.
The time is 1,13,20
